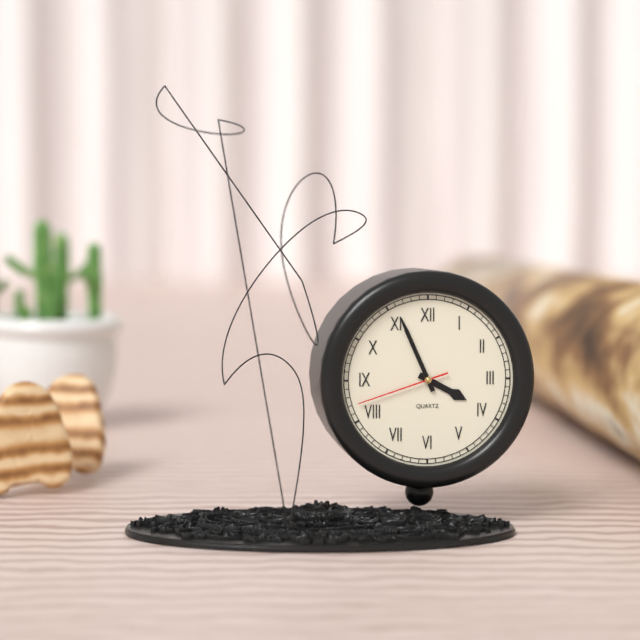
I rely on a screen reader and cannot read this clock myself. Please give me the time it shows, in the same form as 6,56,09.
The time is 3,56,42
